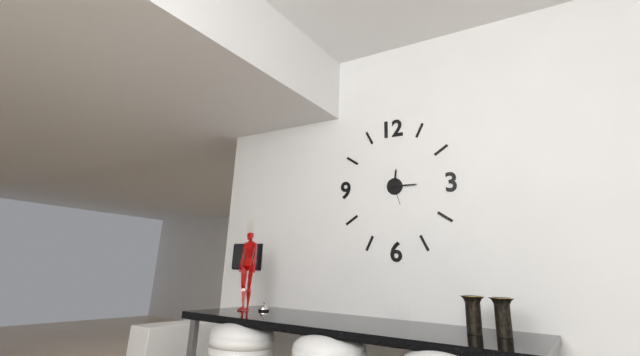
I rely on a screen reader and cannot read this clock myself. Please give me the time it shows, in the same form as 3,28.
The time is 12,15
